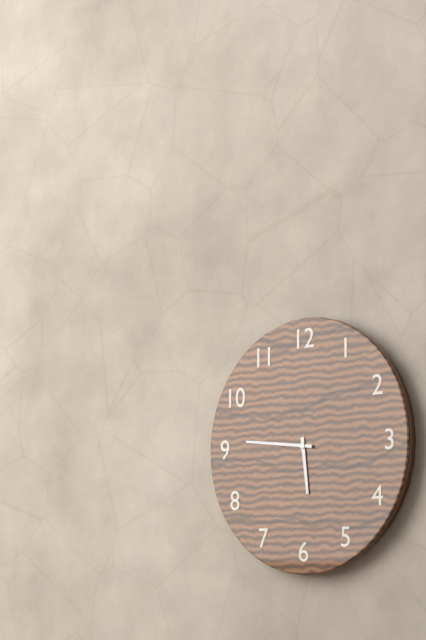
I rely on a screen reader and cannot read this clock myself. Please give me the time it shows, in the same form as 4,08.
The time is 5,46
